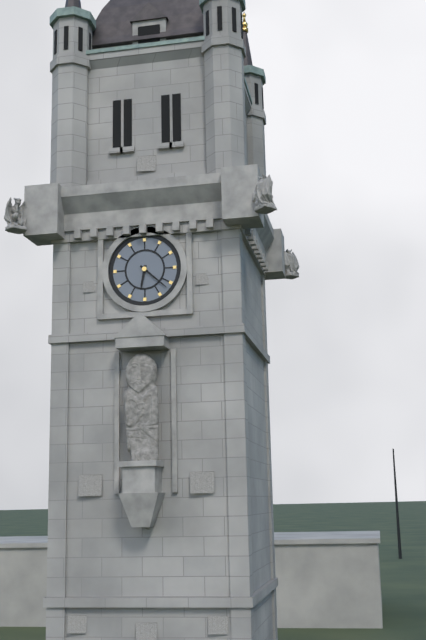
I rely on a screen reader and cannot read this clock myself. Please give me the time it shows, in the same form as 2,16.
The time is 6,22
